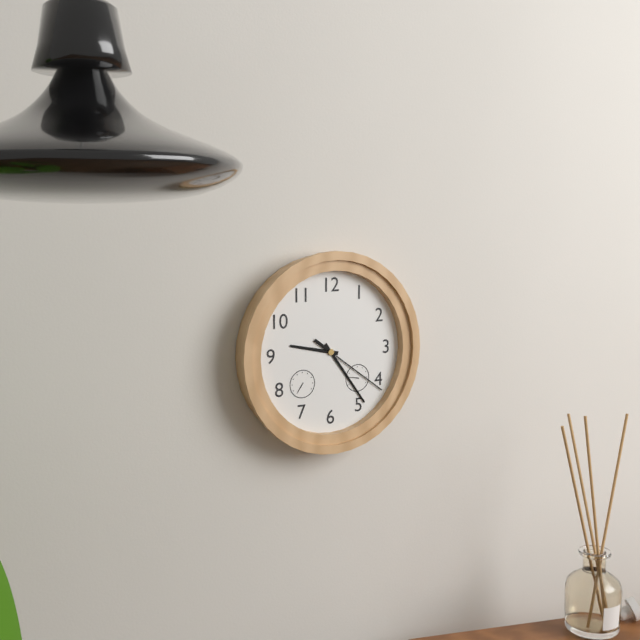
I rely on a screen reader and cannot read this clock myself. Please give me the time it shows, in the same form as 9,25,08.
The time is 9,24,21
